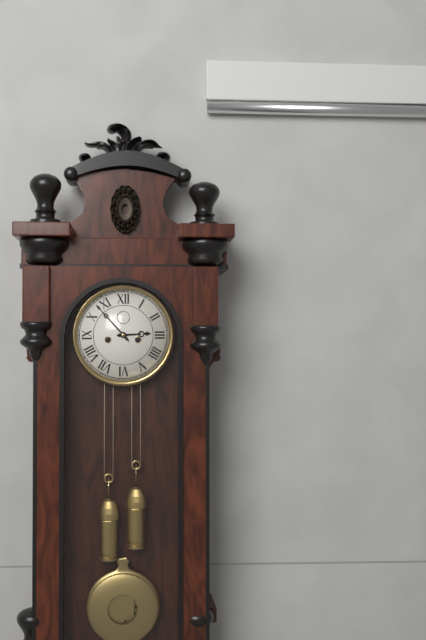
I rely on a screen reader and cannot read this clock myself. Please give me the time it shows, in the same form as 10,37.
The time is 2,53
